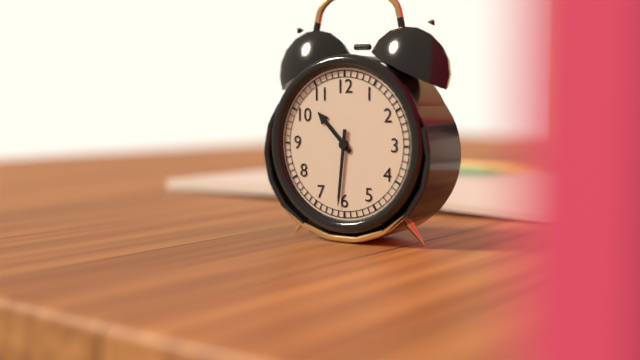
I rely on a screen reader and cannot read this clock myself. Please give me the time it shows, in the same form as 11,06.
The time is 10,31
